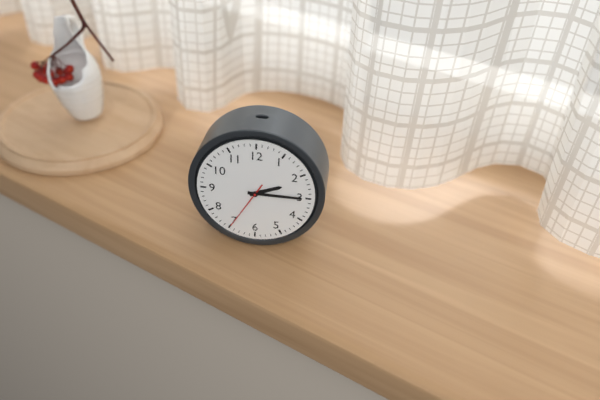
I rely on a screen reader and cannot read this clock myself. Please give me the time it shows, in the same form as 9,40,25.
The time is 2,15,35
